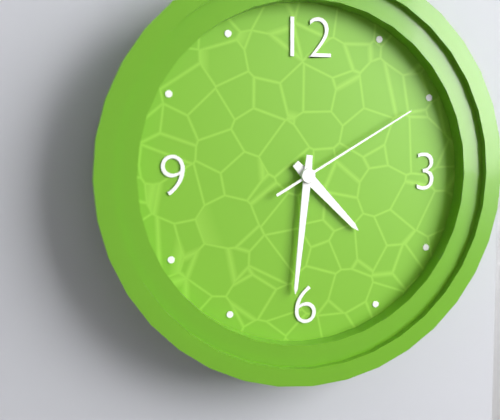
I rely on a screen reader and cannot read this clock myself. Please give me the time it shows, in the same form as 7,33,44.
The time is 4,31,10
